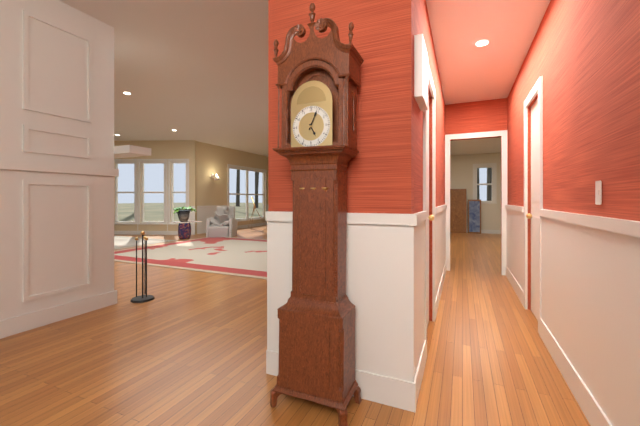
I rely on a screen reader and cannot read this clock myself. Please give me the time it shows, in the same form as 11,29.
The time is 5,04
